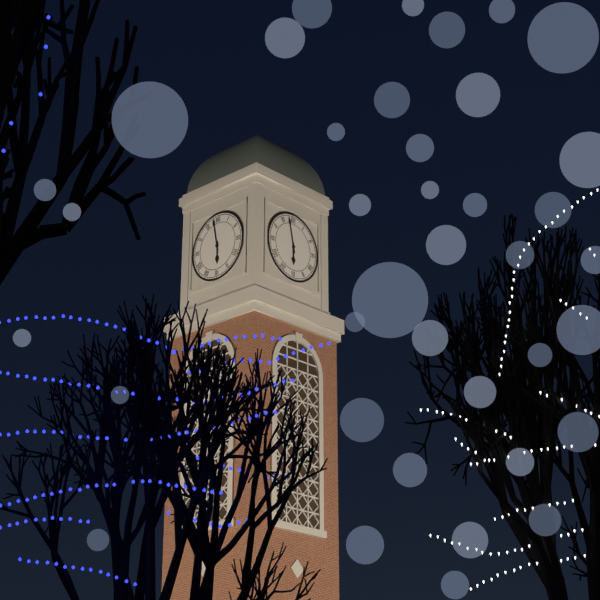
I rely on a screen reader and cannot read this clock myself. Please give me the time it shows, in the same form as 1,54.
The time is 5,58
